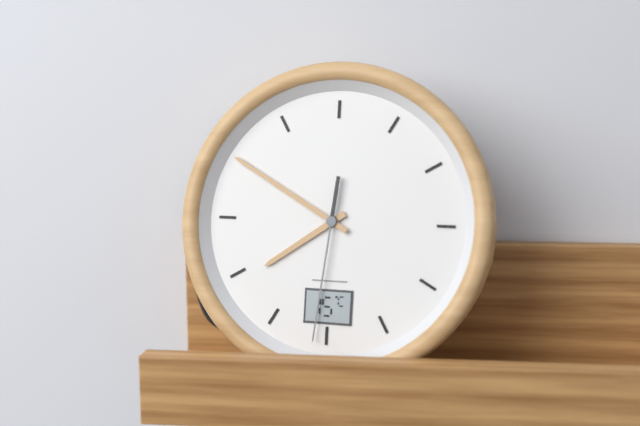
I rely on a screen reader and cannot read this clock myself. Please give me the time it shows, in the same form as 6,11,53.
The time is 7,50,31
